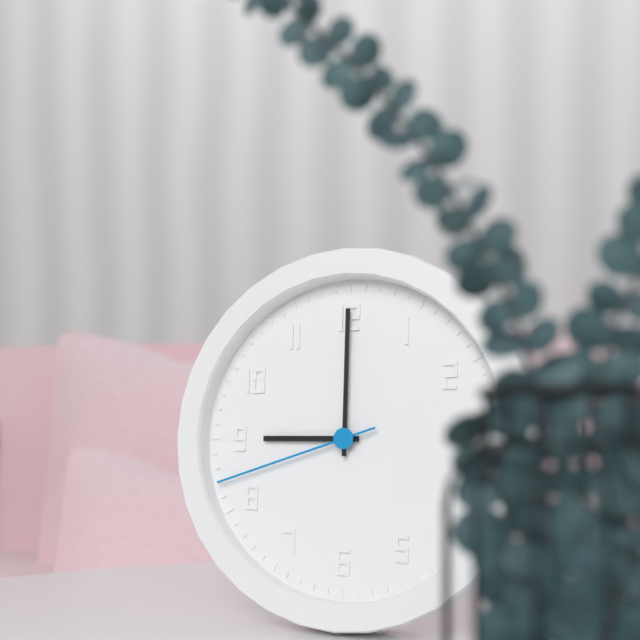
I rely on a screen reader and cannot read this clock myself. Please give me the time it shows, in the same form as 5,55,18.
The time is 9,00,42
